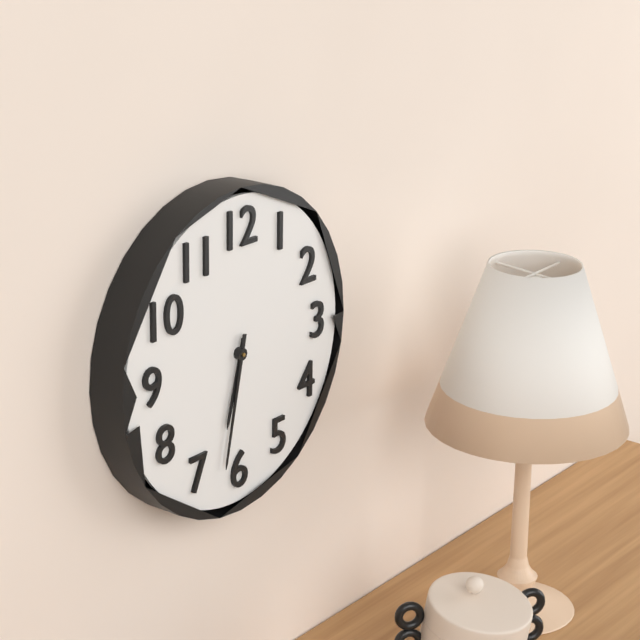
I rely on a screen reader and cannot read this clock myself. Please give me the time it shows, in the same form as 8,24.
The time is 6,32
